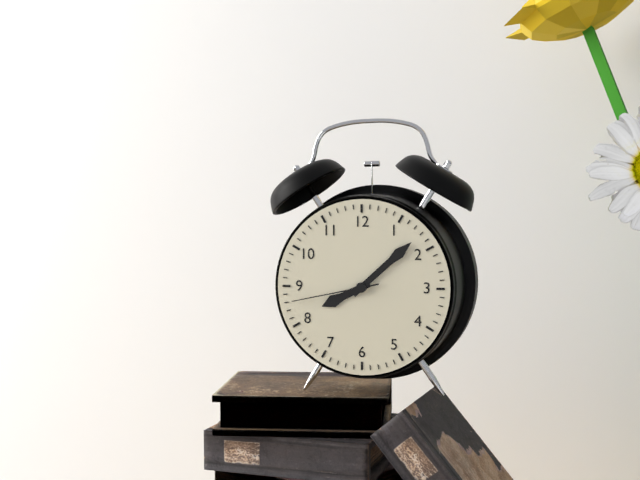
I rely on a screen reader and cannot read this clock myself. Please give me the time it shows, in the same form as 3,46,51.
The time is 8,08,43
